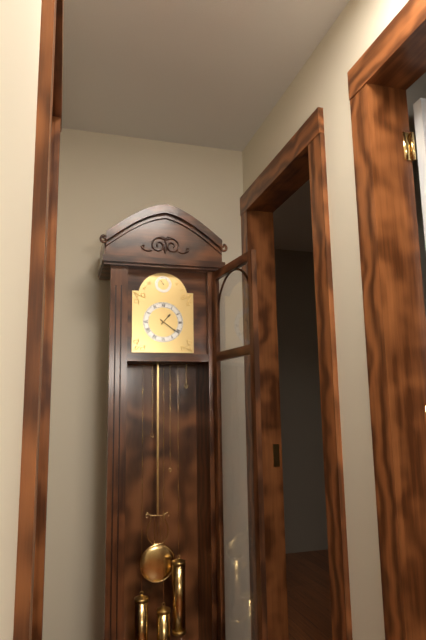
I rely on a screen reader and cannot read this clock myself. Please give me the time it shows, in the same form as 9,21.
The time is 1,21
